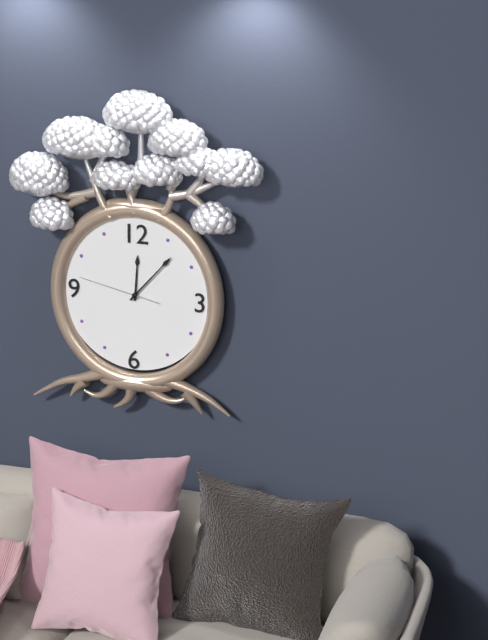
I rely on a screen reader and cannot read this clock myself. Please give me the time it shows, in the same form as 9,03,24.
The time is 12,07,47
